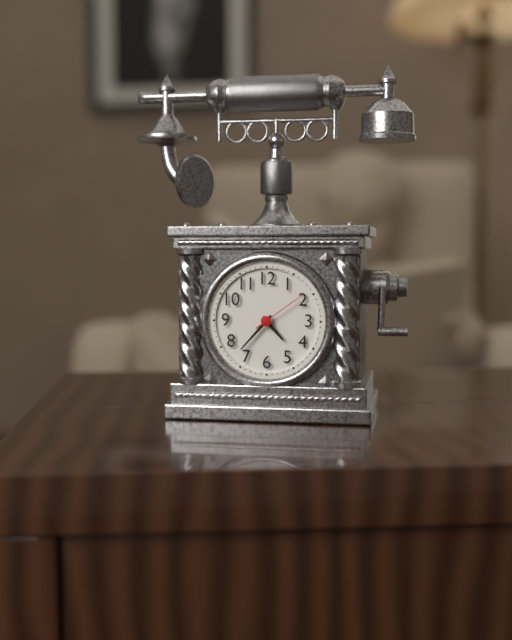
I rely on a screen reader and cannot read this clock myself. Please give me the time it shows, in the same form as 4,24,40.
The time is 4,37,09
